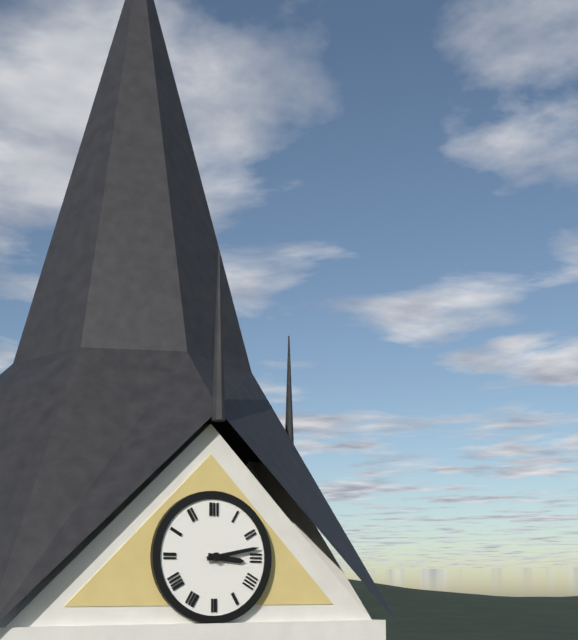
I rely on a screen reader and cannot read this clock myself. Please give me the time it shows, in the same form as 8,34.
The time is 3,13
